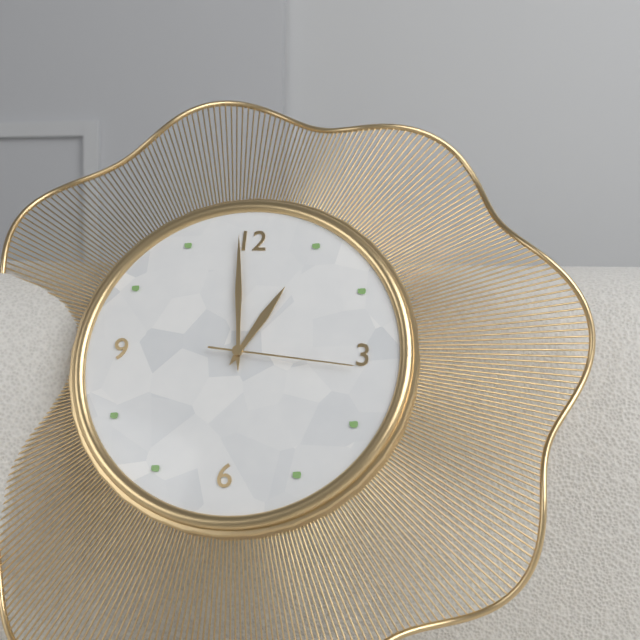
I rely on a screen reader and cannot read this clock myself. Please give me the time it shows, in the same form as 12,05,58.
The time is 12,59,16
